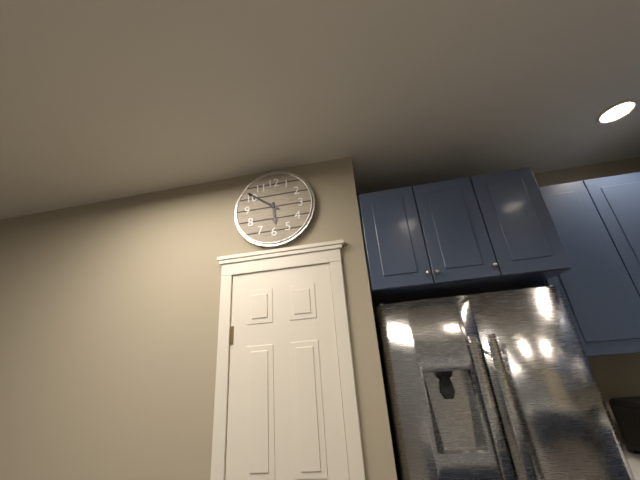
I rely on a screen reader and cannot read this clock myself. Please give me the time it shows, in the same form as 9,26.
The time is 5,51
